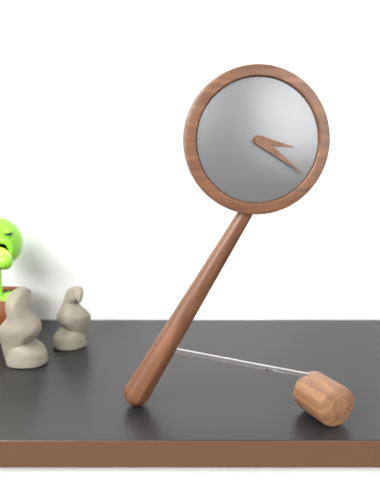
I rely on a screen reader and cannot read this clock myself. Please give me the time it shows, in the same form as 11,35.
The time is 3,21
